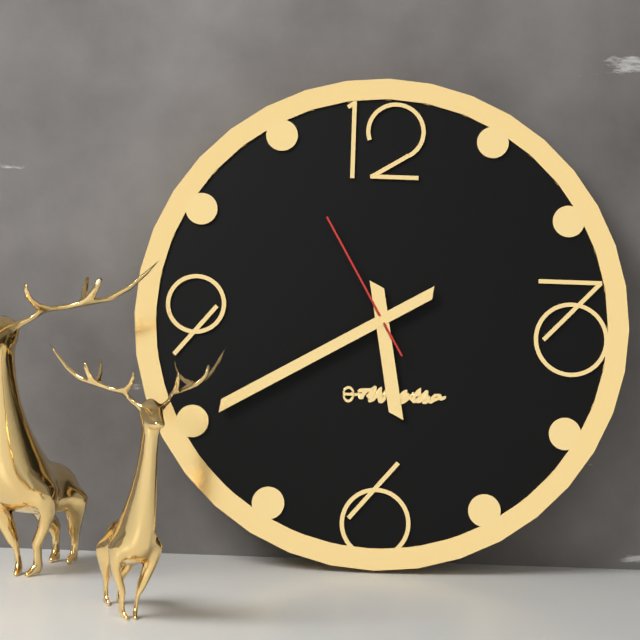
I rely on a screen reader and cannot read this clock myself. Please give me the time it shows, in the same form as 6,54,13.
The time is 5,40,55
